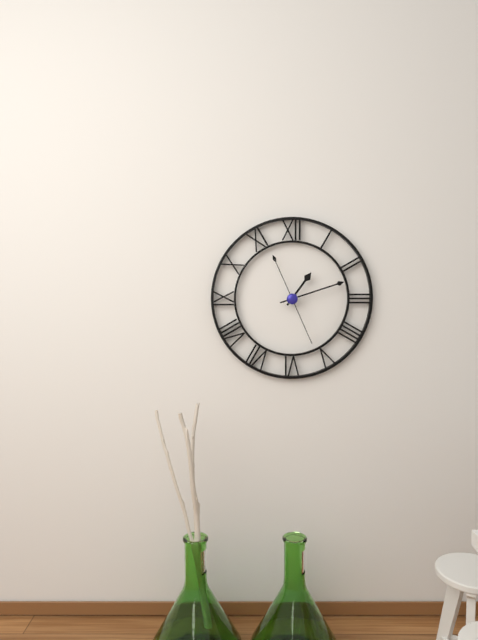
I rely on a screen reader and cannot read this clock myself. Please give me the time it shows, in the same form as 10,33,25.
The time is 1,12,26
